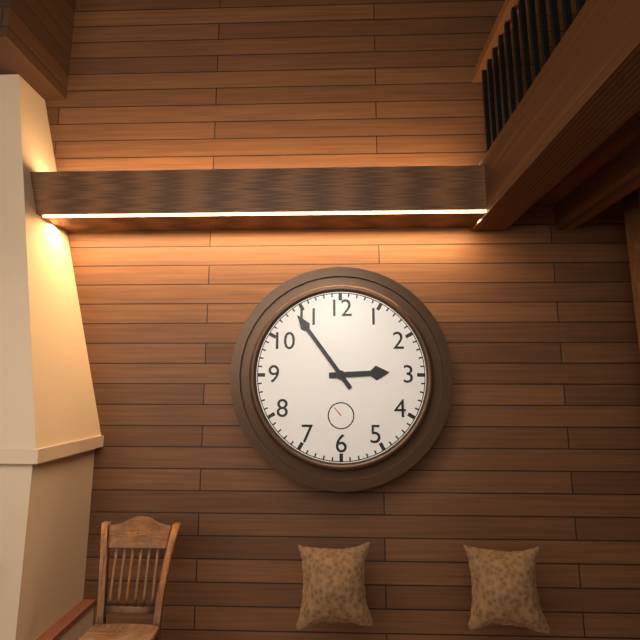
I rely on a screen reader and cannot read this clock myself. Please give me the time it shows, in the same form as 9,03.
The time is 2,54
